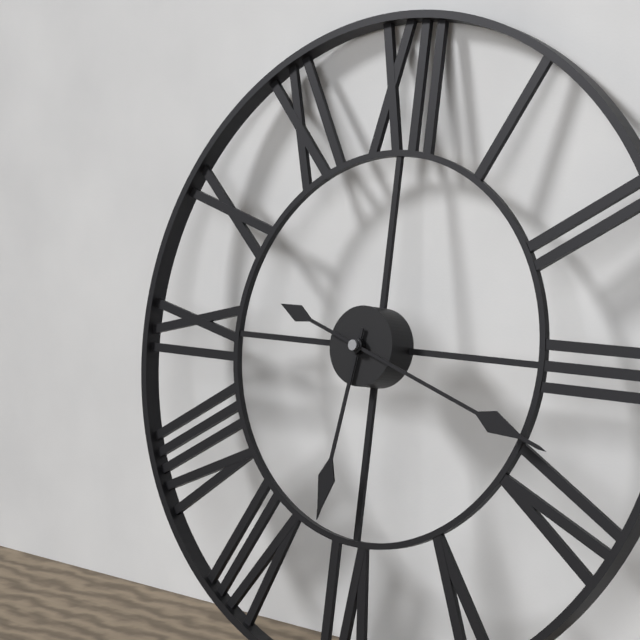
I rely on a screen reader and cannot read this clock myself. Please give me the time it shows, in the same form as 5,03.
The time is 6,18
